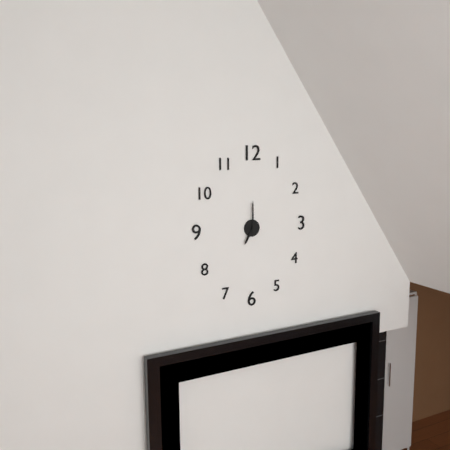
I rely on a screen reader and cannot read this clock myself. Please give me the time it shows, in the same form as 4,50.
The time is 7,00
